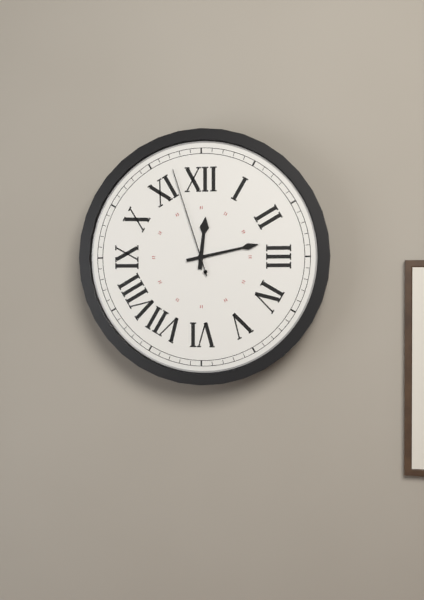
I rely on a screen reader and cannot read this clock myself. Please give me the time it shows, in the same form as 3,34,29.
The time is 12,13,57
